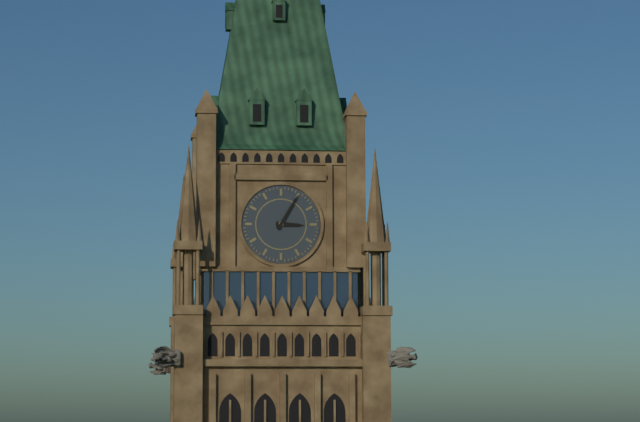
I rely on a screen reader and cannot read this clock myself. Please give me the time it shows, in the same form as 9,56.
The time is 3,05
